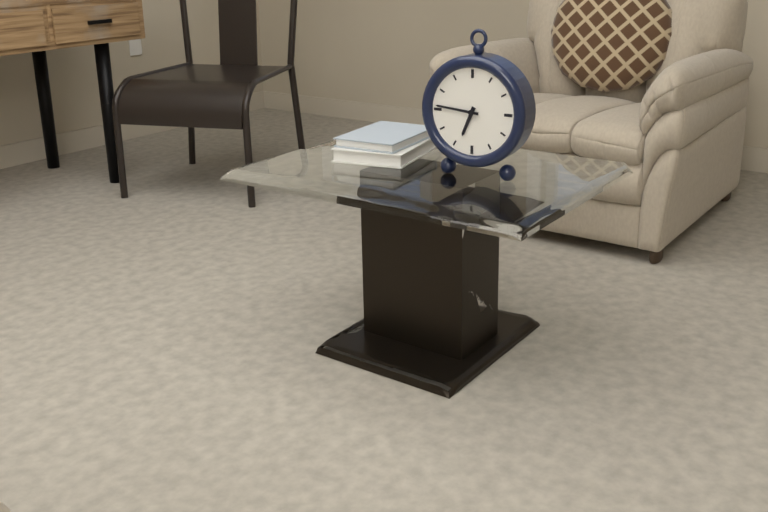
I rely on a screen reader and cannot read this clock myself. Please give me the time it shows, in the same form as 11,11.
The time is 6,46
